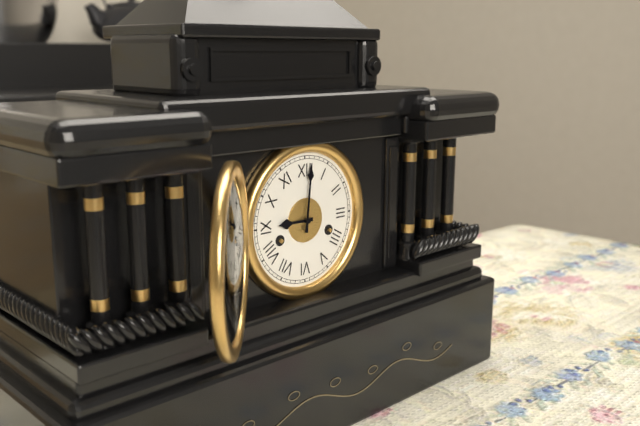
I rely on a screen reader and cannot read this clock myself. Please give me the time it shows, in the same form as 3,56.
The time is 9,01
